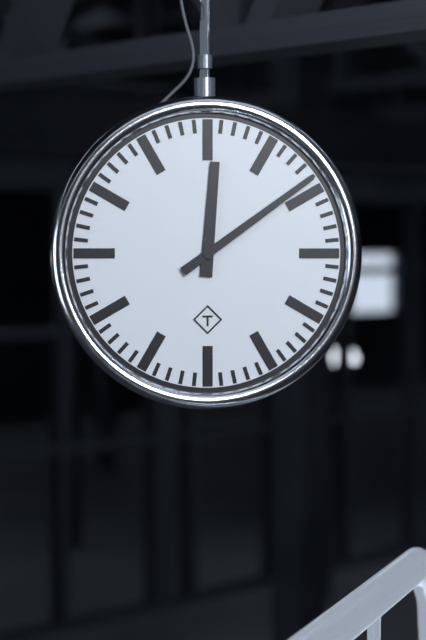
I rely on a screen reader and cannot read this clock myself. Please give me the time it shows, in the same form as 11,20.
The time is 12,09
